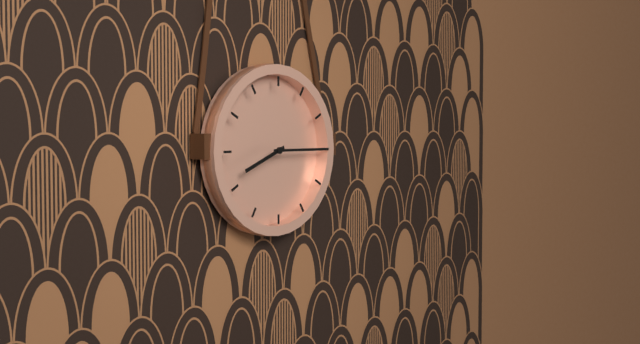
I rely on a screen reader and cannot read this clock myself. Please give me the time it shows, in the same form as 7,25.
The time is 8,15
